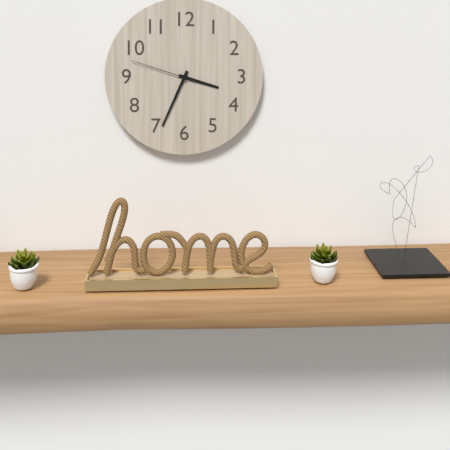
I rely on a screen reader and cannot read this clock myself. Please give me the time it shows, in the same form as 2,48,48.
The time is 3,34,48
